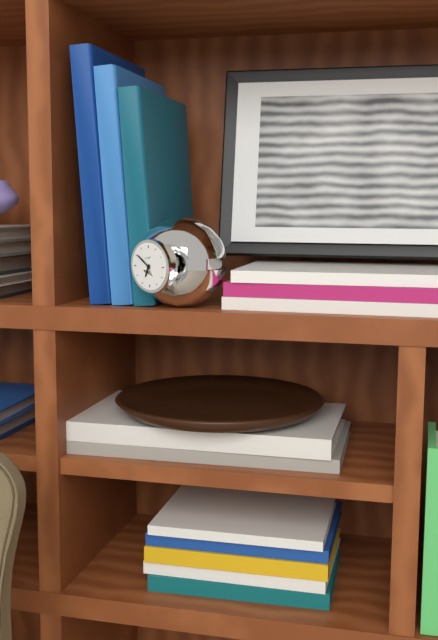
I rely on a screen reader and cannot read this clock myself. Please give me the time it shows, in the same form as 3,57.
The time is 6,51
